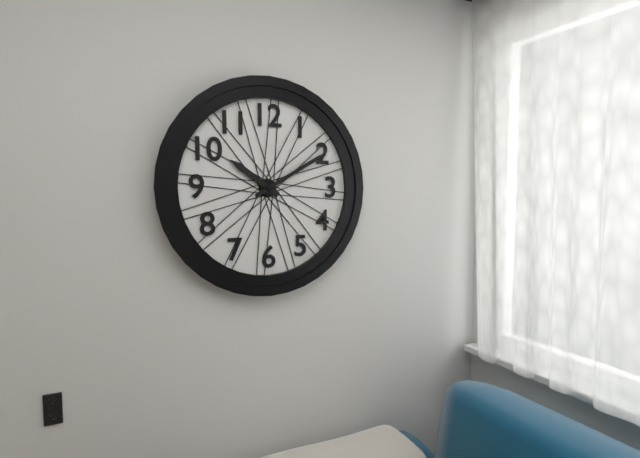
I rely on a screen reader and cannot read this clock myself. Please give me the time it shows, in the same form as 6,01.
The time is 10,10
